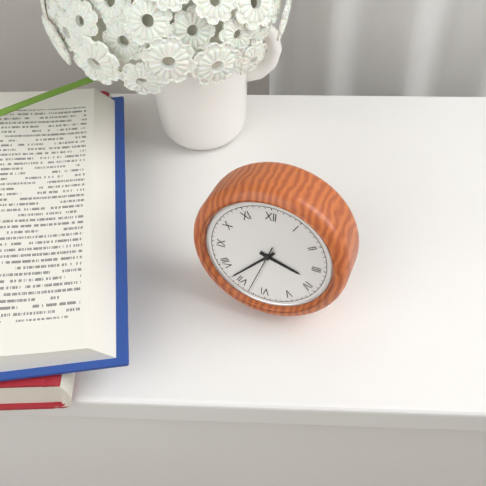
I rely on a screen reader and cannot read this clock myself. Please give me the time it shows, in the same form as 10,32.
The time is 3,37
